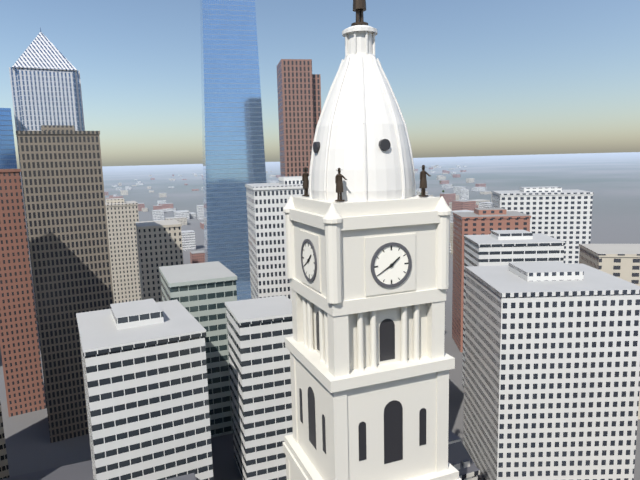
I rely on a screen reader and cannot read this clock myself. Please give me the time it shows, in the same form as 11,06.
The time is 1,40
